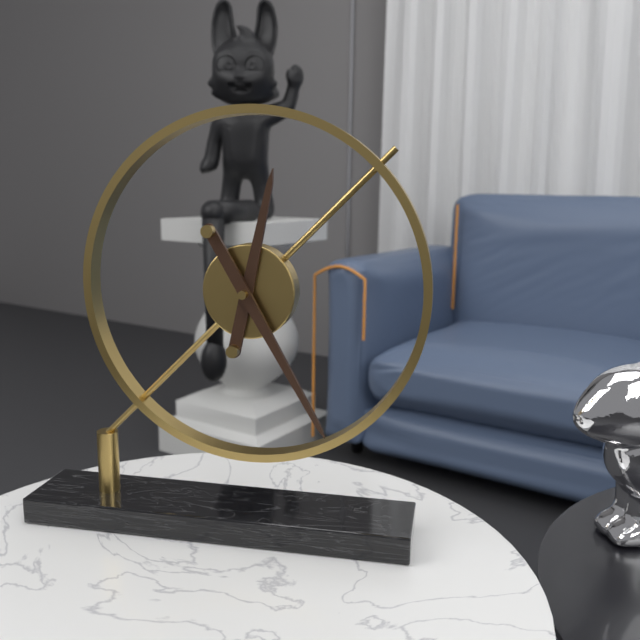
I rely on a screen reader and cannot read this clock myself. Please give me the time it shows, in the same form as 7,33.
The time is 12,25
